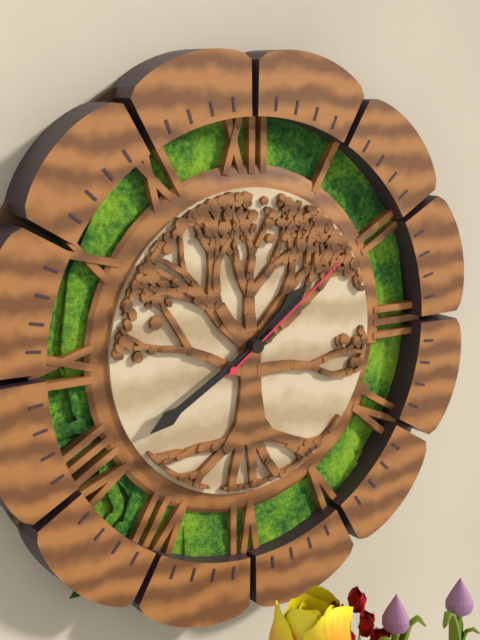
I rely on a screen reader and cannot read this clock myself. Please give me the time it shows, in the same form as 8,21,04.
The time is 1,40,09
